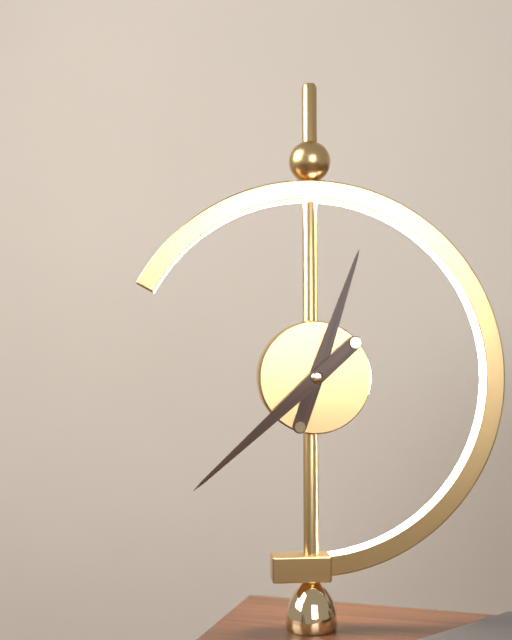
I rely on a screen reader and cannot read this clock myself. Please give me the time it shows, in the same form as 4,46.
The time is 12,38
